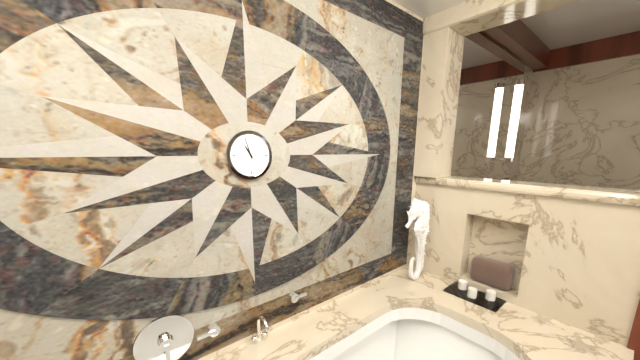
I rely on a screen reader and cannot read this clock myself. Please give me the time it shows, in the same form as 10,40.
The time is 10,57
